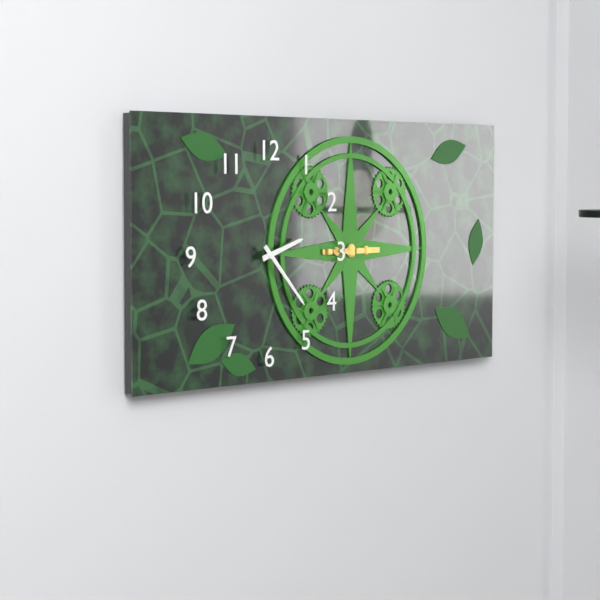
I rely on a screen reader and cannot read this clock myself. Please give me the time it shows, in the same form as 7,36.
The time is 2,23
